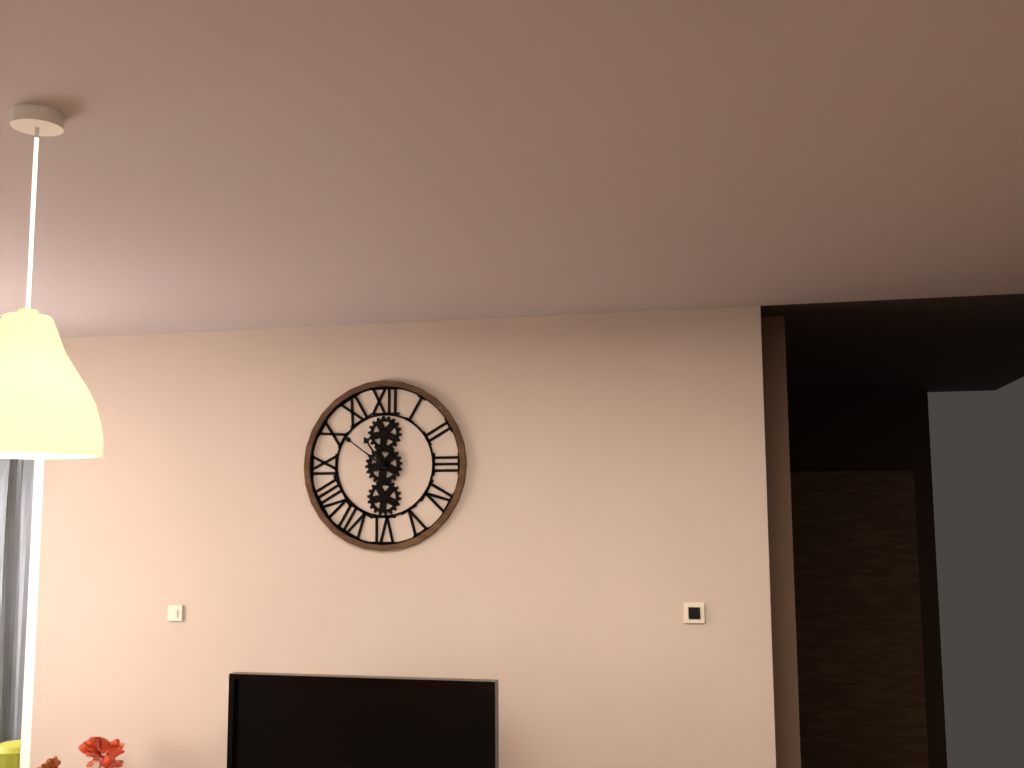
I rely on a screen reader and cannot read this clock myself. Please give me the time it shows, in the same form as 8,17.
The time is 10,51
